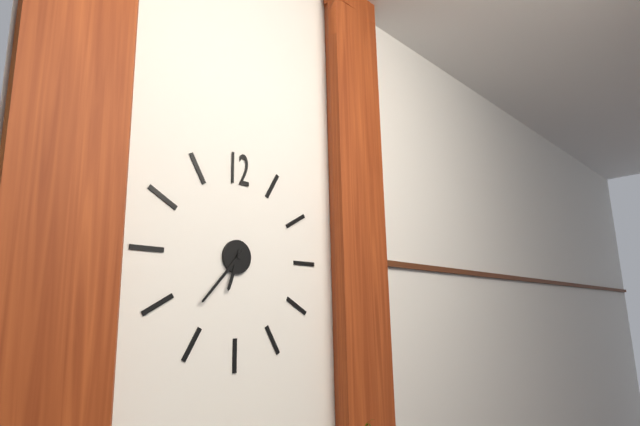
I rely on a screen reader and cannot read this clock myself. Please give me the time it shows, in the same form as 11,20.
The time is 6,37
